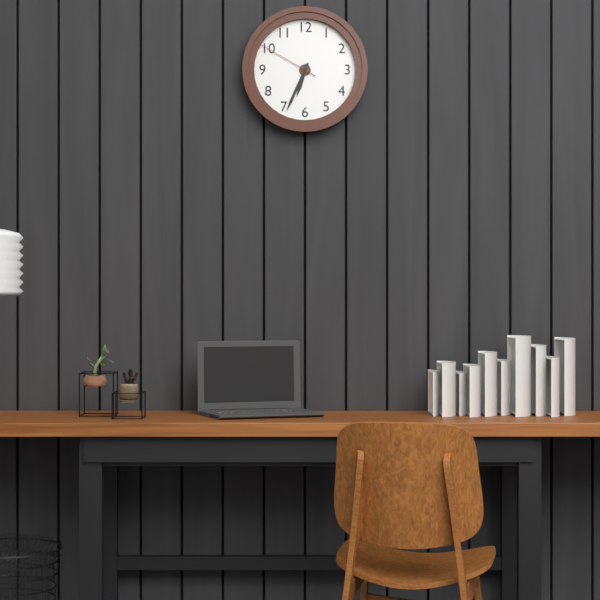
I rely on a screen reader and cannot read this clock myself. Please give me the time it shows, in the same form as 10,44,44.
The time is 6,34,50
